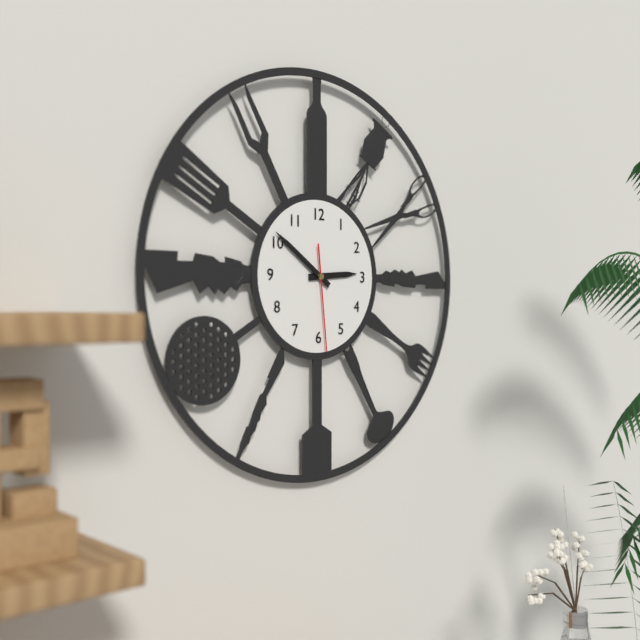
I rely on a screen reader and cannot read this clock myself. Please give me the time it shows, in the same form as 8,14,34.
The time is 2,51,29
